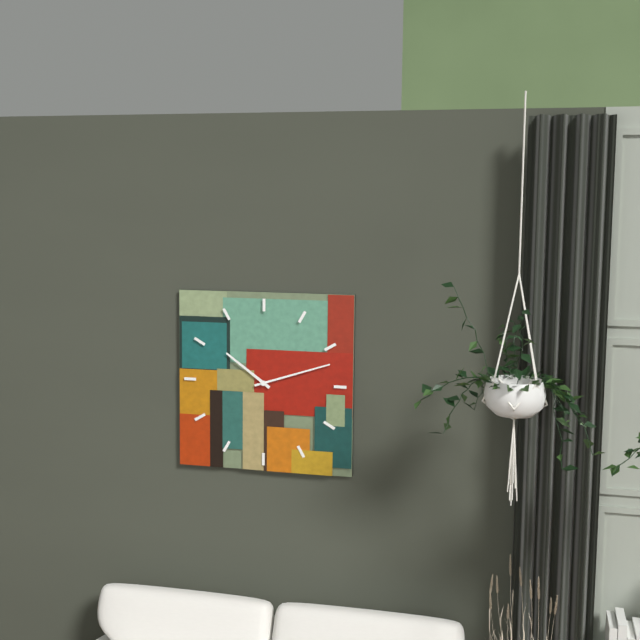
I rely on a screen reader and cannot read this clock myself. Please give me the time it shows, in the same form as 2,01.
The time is 10,12
